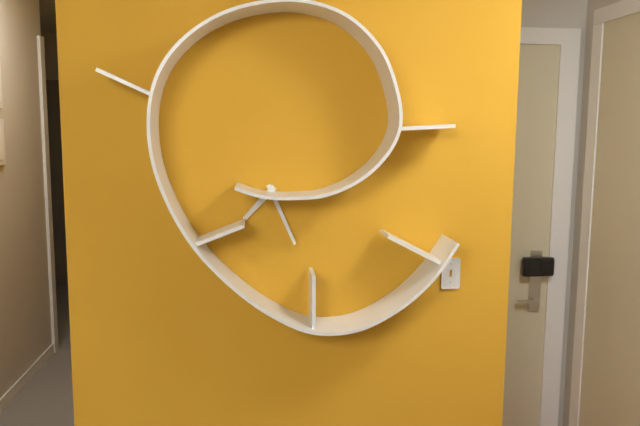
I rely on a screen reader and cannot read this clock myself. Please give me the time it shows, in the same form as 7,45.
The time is 7,26
